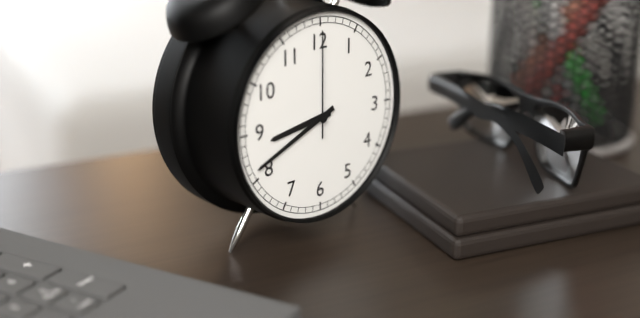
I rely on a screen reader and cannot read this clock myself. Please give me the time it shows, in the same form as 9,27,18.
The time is 8,41,00
